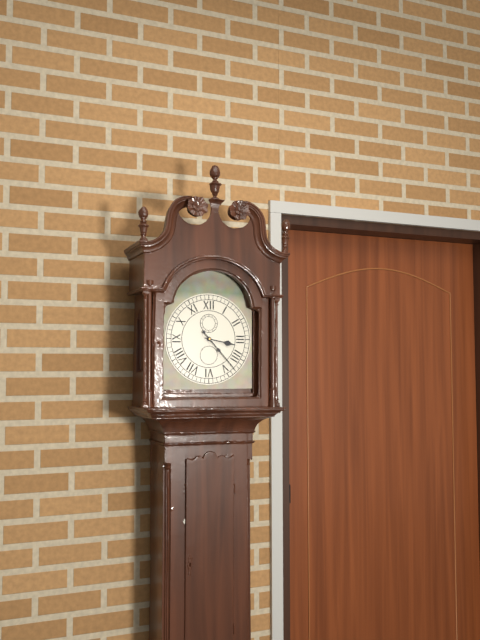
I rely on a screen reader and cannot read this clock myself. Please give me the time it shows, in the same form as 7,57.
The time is 3,23
